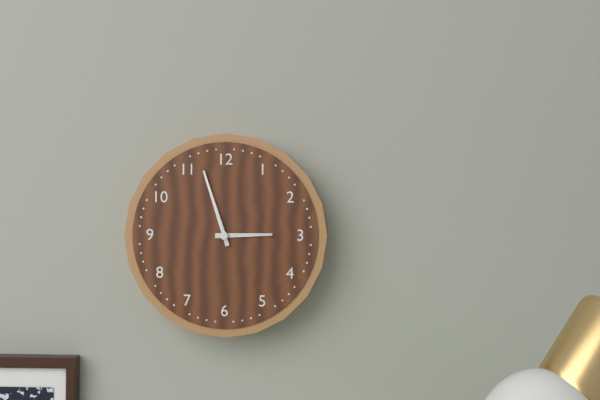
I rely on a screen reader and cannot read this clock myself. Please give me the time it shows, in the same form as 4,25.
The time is 2,57
